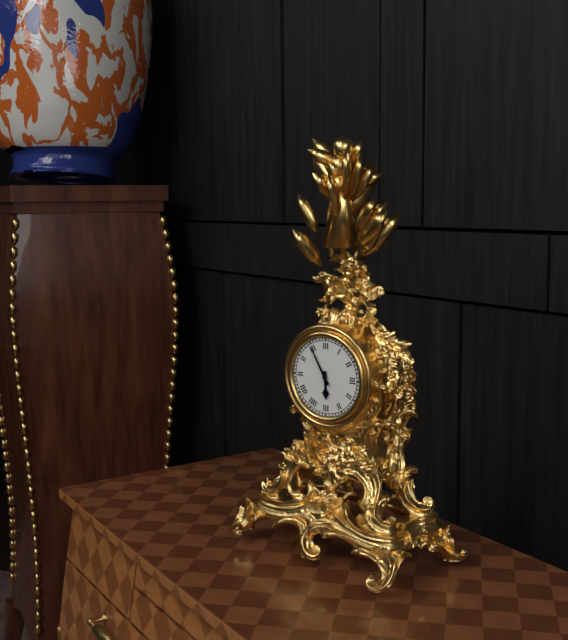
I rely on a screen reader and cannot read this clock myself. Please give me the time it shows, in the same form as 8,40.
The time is 5,55
